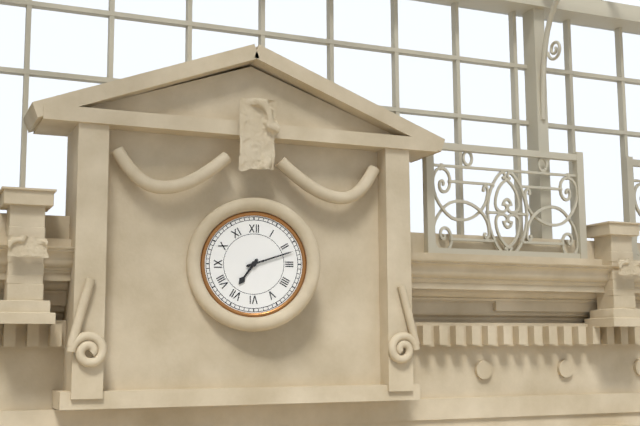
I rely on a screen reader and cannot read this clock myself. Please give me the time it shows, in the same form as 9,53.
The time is 7,12
